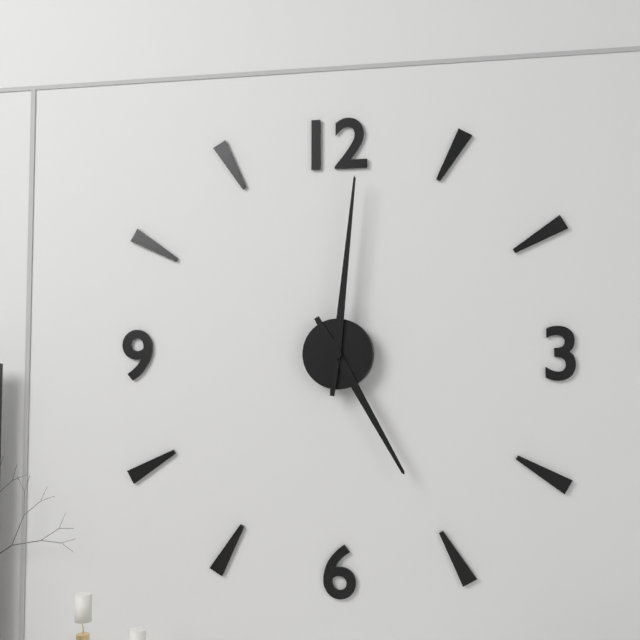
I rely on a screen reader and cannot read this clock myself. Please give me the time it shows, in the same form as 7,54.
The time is 5,01
